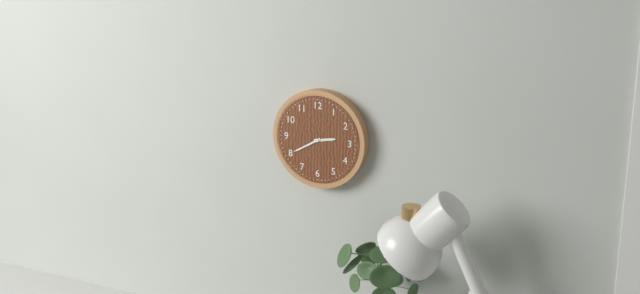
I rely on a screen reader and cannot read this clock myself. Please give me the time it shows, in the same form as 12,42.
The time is 2,40
